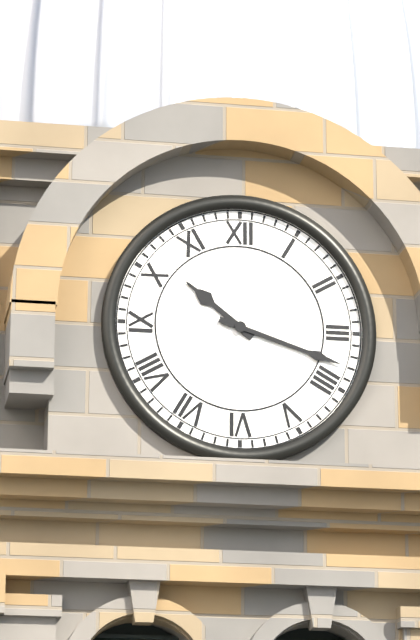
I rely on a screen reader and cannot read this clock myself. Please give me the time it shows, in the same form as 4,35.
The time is 10,18
